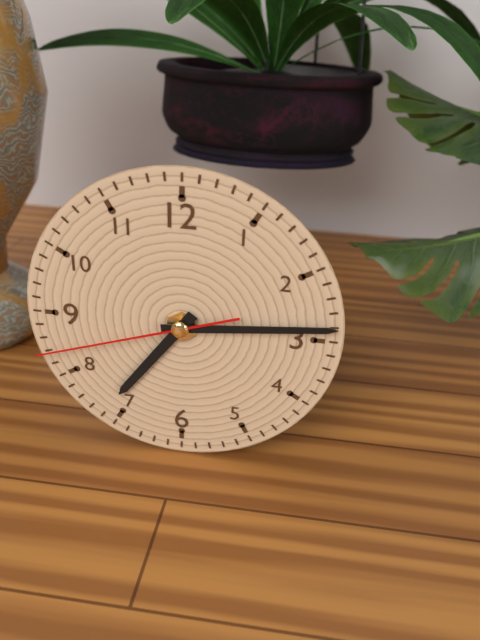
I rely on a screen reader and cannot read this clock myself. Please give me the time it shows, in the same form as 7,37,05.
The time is 7,14,42
